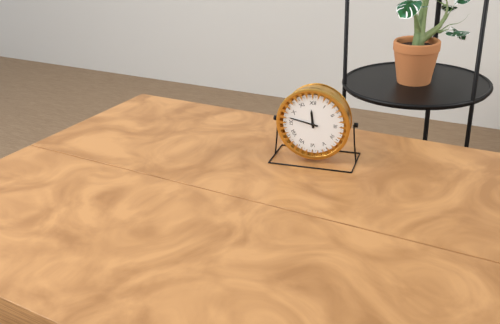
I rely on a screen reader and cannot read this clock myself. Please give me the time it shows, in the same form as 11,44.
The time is 11,47
